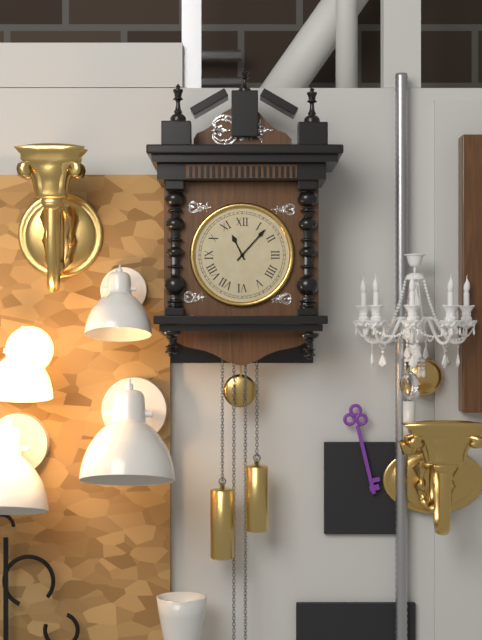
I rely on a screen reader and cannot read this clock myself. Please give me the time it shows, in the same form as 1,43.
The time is 11,07
